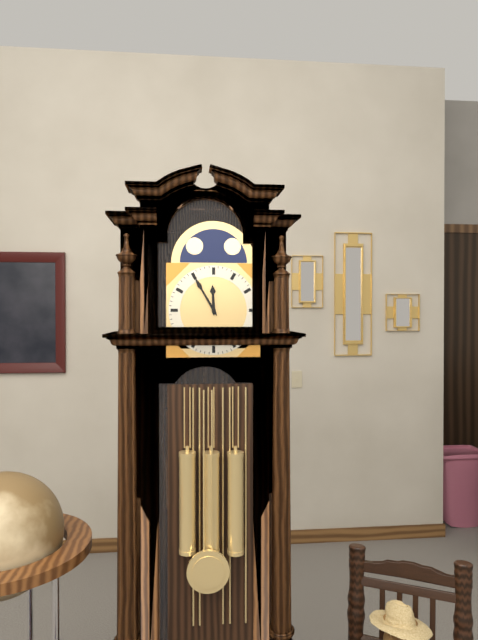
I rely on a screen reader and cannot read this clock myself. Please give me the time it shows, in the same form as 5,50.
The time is 11,55
